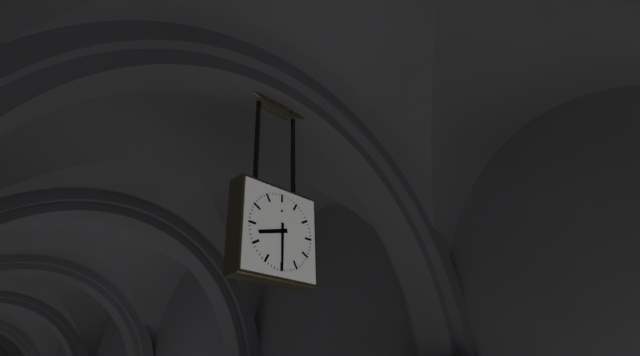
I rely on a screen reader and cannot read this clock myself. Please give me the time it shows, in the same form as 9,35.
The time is 8,30
